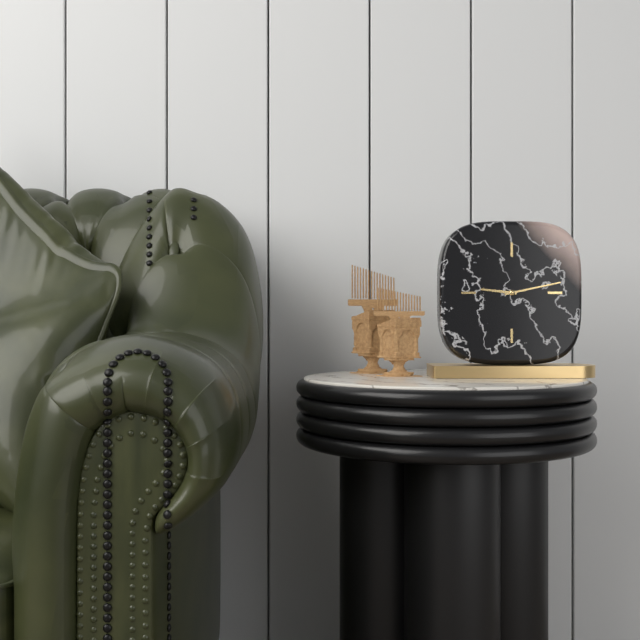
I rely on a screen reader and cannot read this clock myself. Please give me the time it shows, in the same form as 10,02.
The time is 9,13
